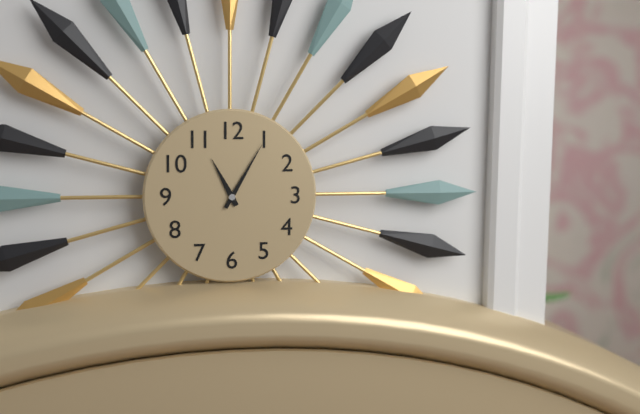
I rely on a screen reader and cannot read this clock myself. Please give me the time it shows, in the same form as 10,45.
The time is 11,05
